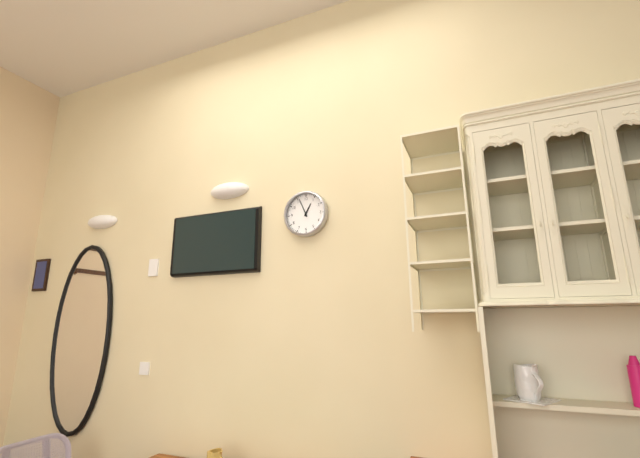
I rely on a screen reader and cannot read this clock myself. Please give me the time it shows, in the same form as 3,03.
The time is 12,56
